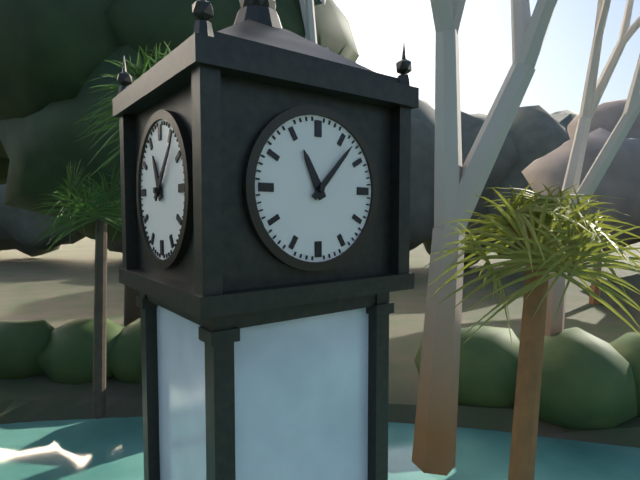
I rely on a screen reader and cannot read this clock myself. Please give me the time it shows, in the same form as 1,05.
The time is 11,07
